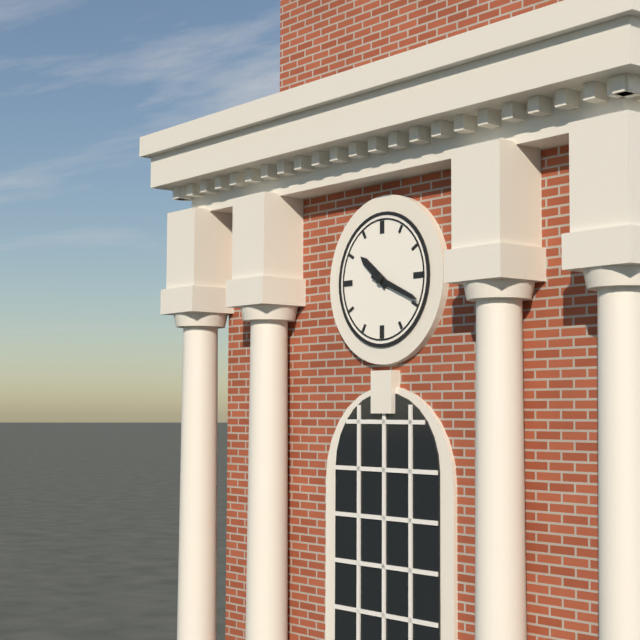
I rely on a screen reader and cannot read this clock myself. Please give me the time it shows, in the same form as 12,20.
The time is 10,19
